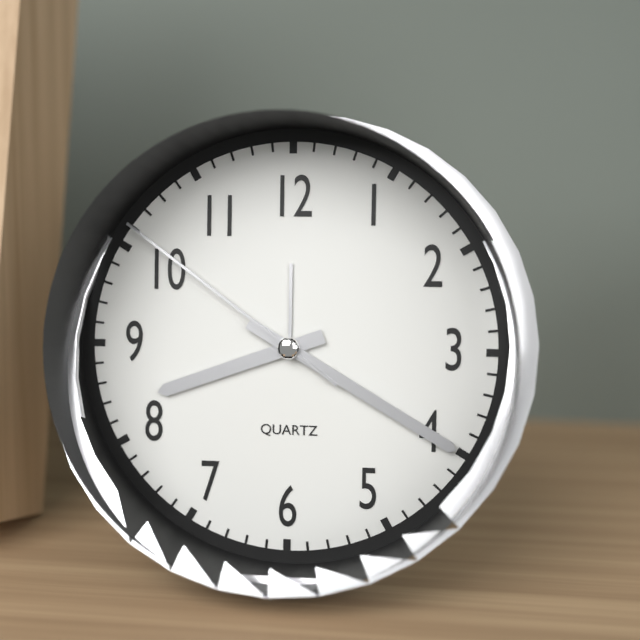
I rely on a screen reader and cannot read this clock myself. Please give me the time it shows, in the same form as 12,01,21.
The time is 8,20,51
